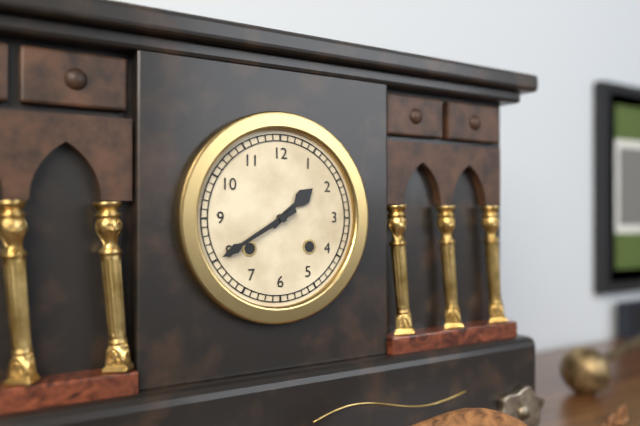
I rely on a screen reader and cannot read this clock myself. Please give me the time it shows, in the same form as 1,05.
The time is 1,40
